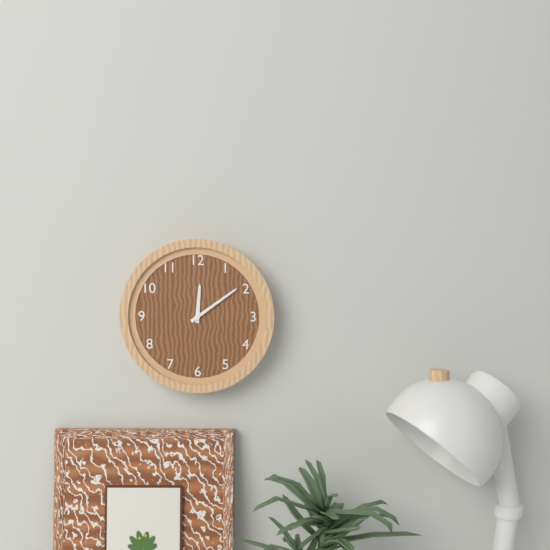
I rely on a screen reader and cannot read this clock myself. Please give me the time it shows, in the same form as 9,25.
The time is 12,09
